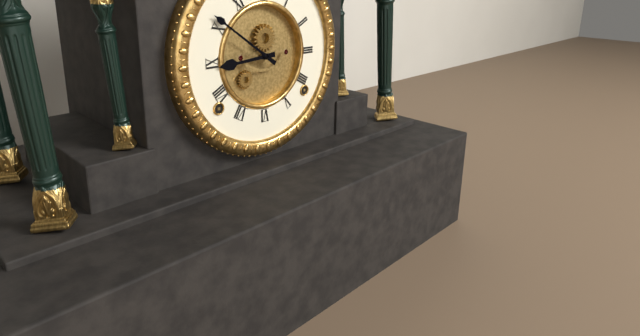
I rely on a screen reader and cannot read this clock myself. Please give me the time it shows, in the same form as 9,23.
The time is 8,51
